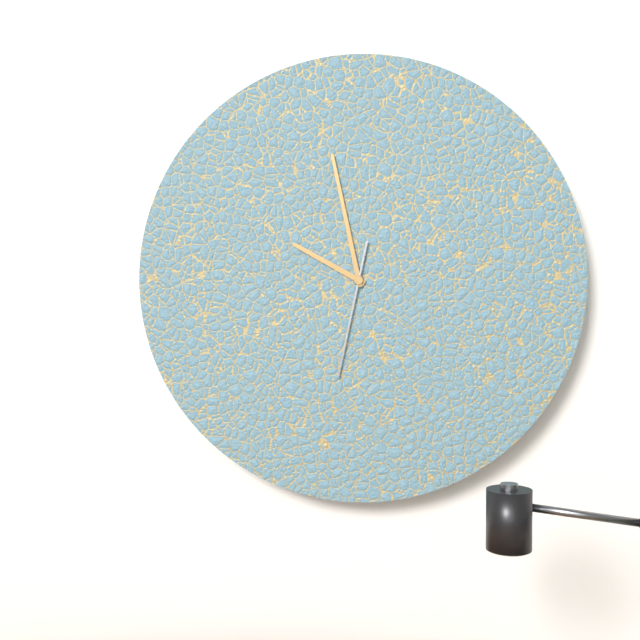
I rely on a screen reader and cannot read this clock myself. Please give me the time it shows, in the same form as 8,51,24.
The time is 9,58,32
